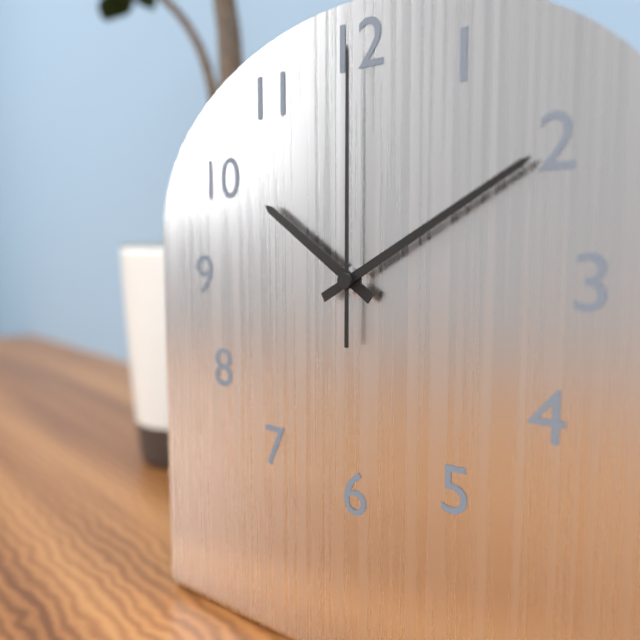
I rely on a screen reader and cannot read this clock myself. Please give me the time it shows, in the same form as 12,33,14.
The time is 10,10,00
